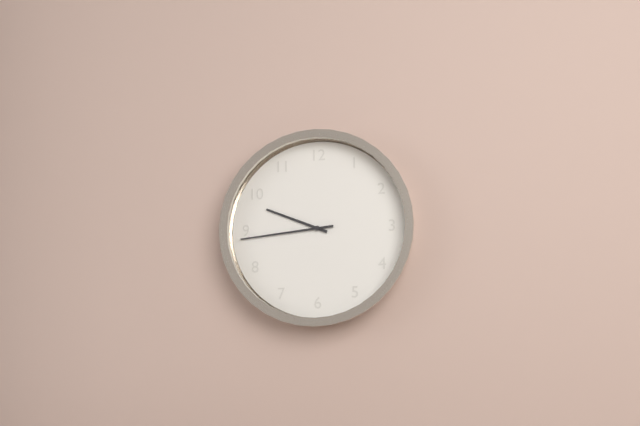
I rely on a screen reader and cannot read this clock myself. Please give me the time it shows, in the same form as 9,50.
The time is 9,44
